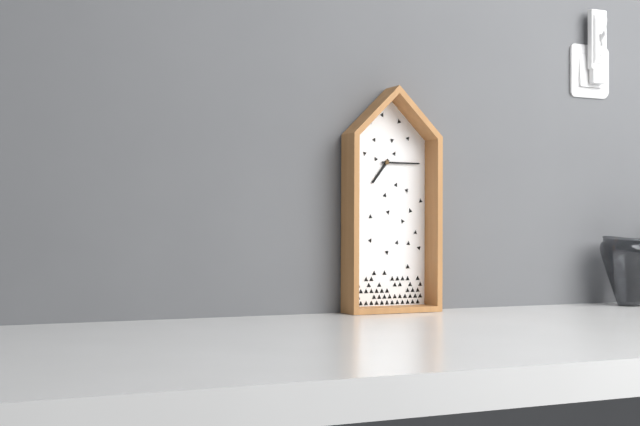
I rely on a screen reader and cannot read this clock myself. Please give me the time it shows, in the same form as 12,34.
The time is 7,15
